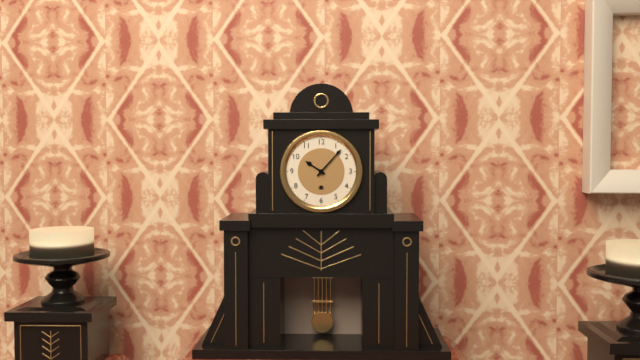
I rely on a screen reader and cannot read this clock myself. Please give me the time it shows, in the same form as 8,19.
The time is 10,07
